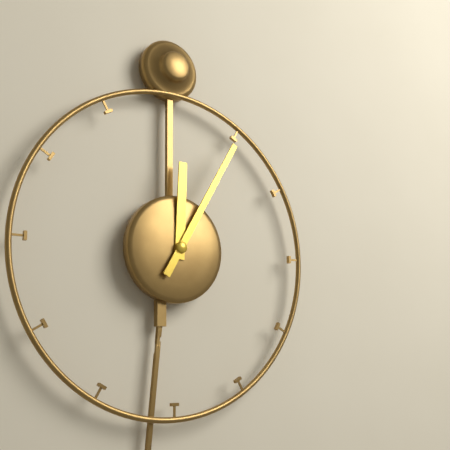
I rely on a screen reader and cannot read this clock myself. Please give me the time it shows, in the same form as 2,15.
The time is 12,05
